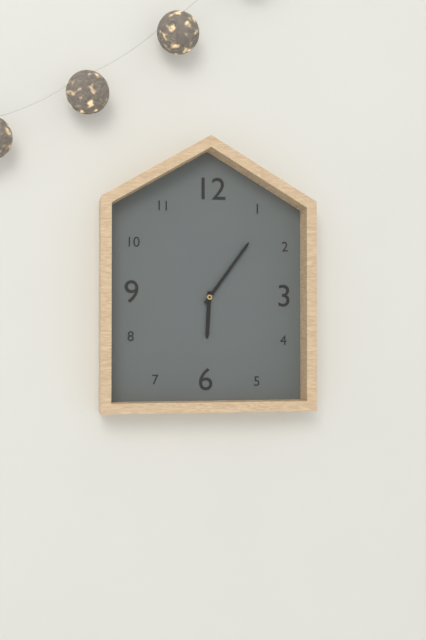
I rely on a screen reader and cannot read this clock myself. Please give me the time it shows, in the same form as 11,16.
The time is 6,06
